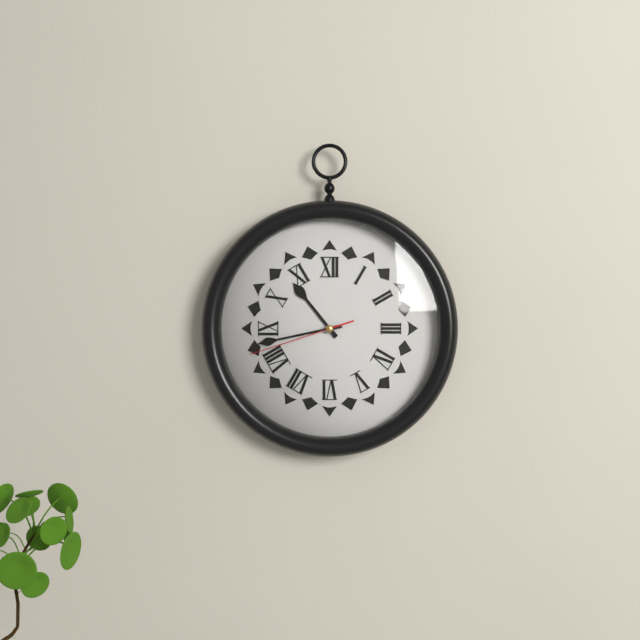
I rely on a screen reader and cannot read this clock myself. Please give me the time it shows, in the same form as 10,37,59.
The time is 10,43,42
